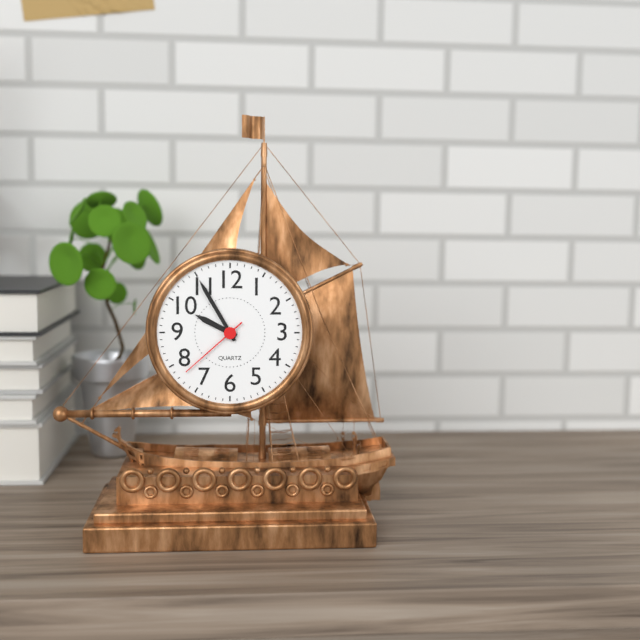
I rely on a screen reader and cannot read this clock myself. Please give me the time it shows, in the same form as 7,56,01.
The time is 9,55,38
